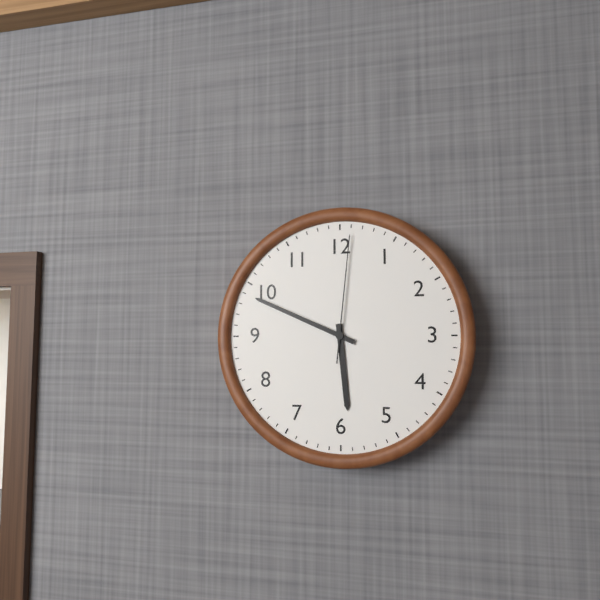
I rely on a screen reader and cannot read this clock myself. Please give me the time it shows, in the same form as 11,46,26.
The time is 5,49,01
